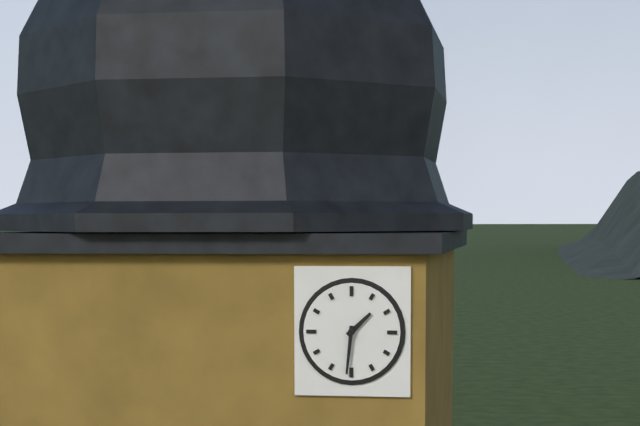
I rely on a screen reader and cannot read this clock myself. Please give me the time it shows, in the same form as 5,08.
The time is 1,31
